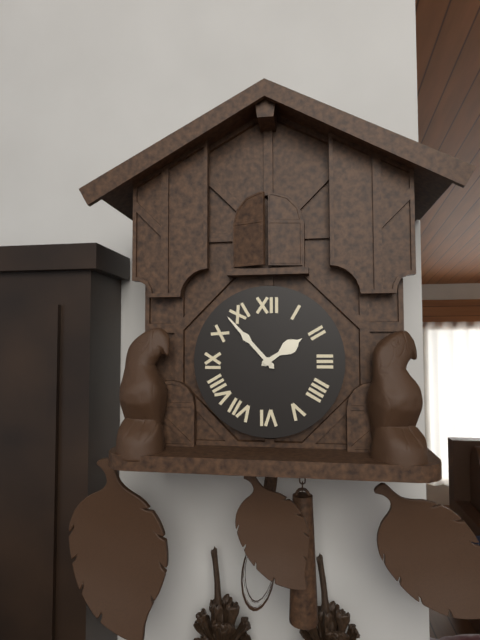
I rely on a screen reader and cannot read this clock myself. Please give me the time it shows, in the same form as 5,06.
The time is 1,53
